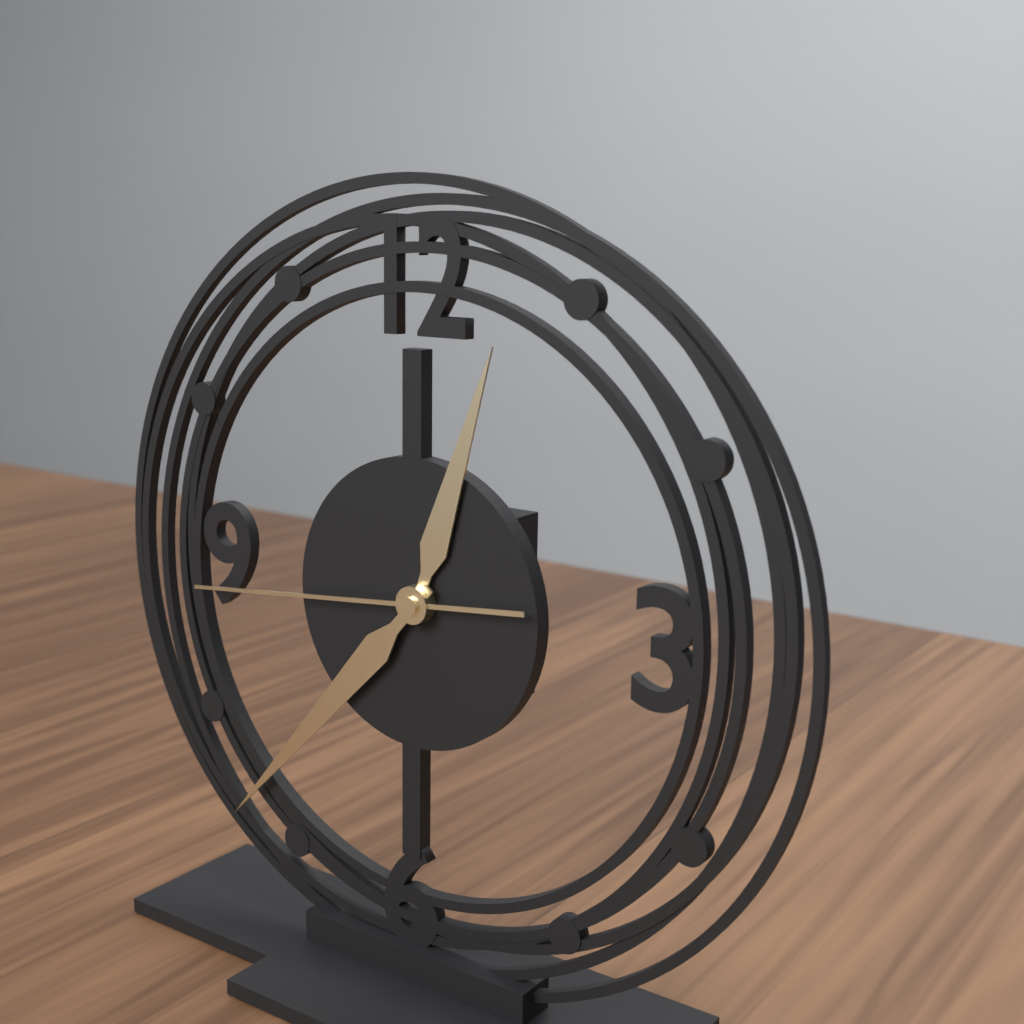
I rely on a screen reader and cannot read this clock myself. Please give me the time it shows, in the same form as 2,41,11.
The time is 12,37,44
